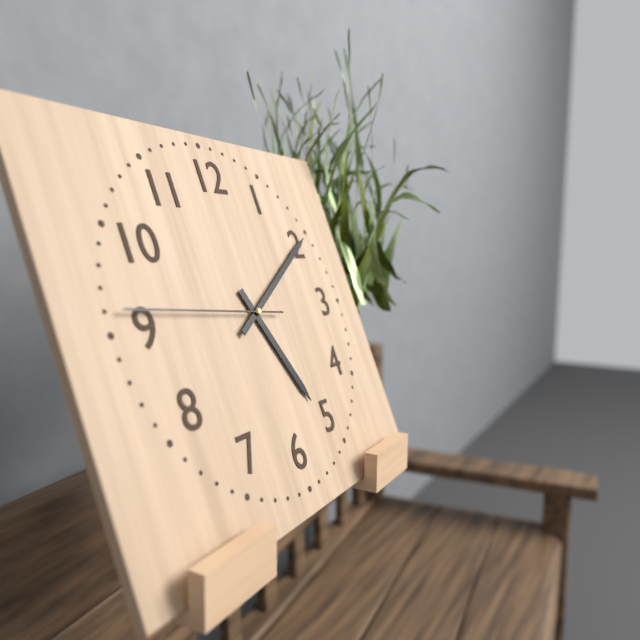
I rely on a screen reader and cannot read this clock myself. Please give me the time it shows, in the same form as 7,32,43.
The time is 5,10,46
